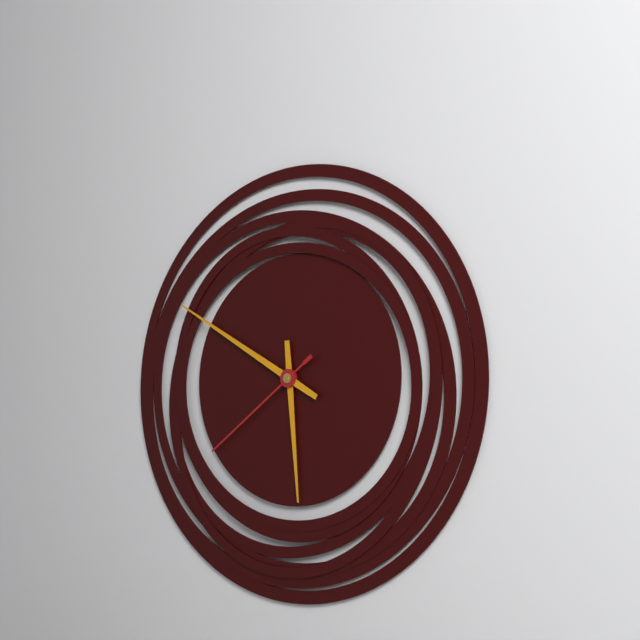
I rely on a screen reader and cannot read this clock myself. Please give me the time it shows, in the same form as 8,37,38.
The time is 5,50,39
